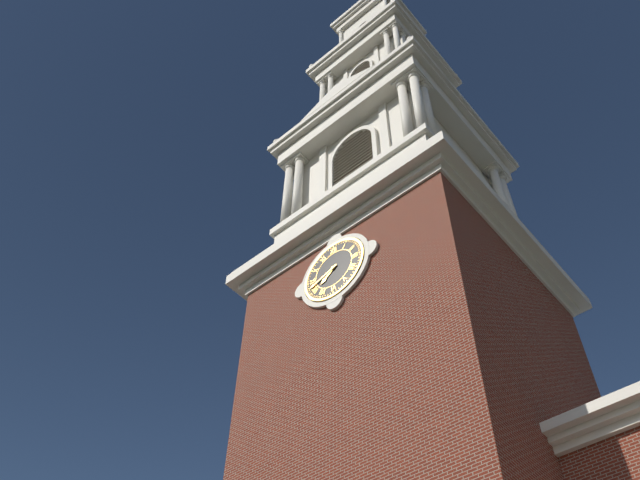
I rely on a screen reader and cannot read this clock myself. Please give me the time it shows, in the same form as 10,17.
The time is 7,42
